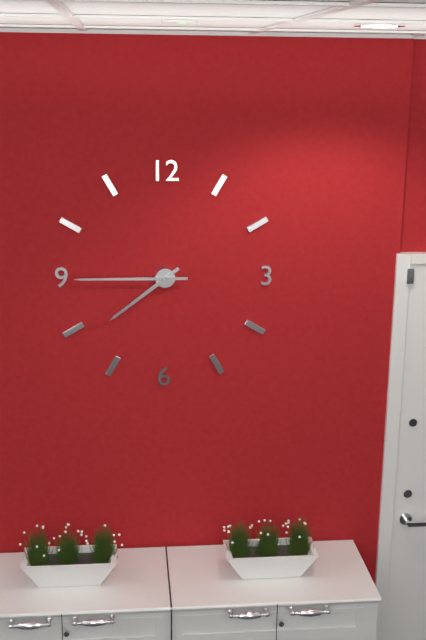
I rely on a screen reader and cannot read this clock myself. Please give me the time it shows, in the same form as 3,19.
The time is 7,45
